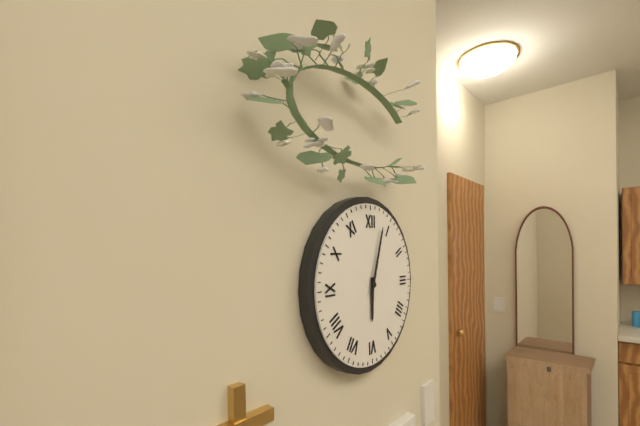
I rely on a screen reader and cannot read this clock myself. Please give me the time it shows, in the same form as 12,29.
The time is 6,03
